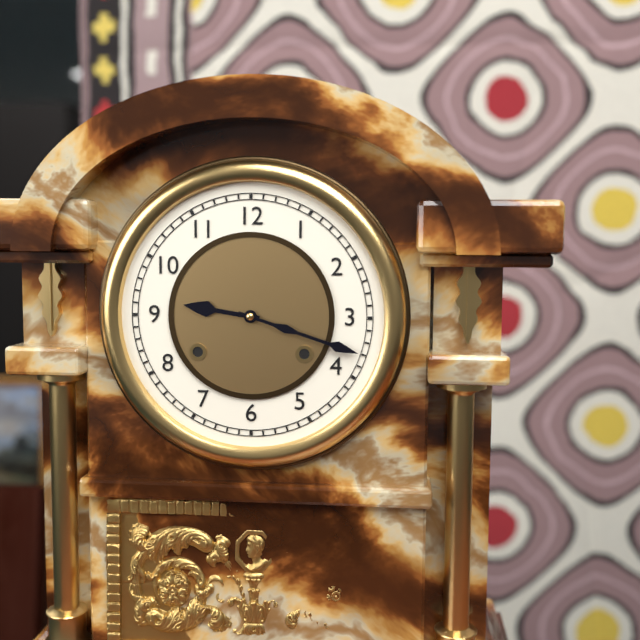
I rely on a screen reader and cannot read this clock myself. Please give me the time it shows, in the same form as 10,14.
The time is 9,18
